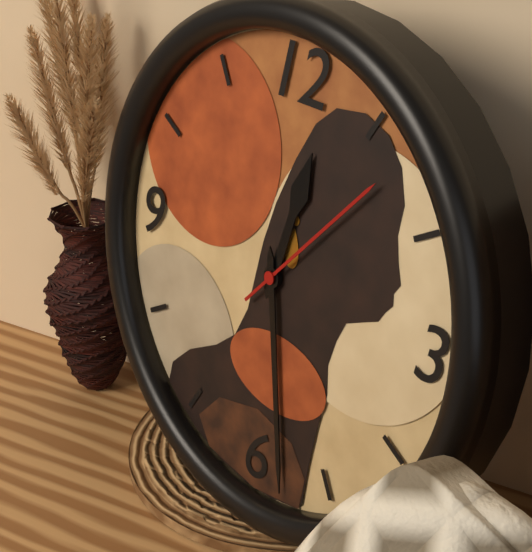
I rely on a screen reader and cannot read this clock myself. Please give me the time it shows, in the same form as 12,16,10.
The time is 12,28,07
